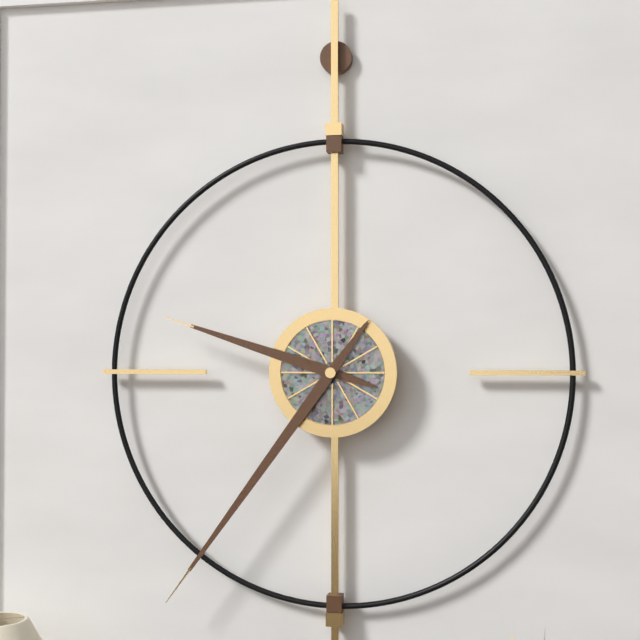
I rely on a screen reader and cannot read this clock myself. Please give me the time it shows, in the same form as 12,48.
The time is 9,36
